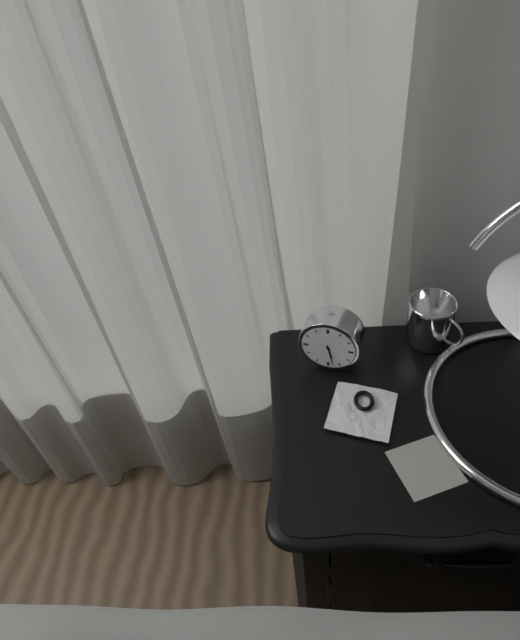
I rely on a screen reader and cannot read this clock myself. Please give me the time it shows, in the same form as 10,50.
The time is 5,28
